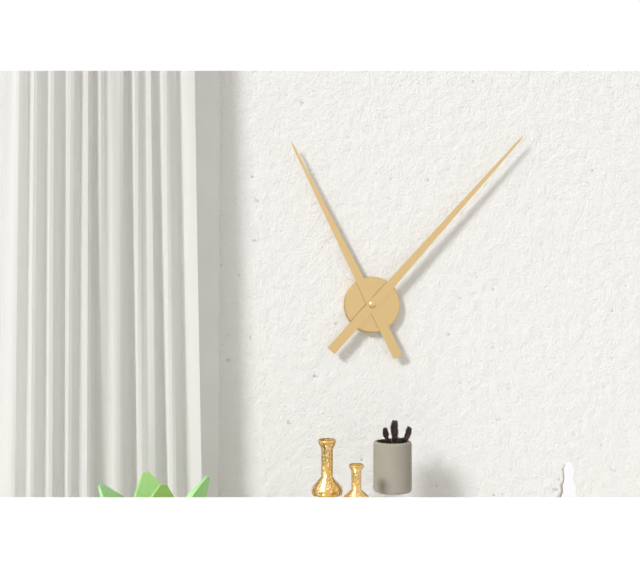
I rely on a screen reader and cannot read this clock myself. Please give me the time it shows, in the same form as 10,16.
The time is 11,07
